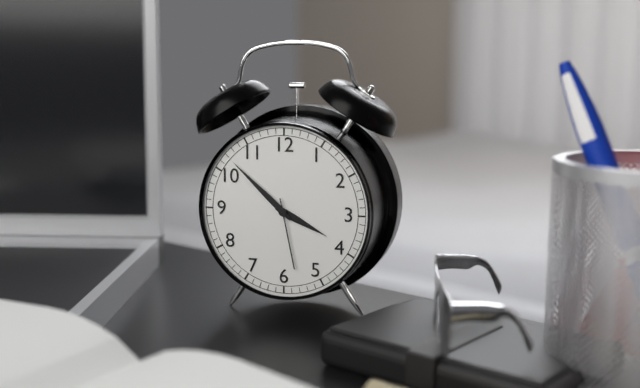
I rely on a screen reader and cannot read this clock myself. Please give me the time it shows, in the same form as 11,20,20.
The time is 3,52,28
